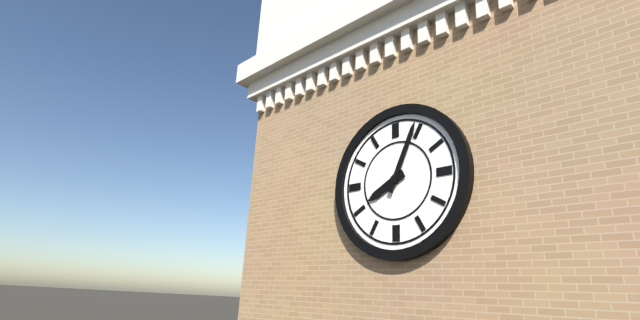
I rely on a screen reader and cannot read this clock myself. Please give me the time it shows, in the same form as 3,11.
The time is 8,04
